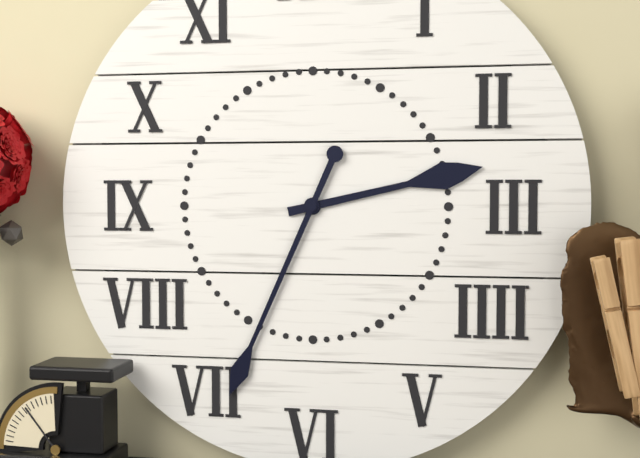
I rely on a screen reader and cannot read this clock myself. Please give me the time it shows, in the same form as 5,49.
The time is 2,34
